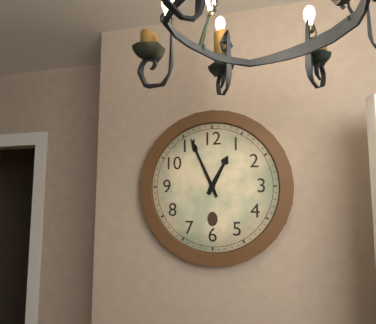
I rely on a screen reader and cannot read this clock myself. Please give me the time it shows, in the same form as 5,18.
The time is 12,56
